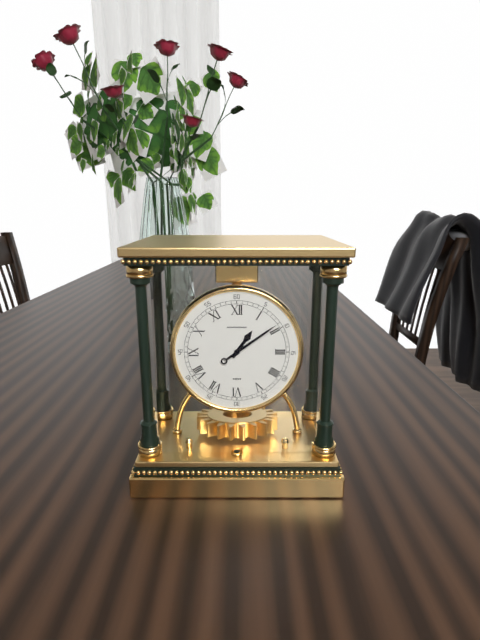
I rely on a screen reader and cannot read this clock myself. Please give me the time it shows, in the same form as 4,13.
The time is 1,09
